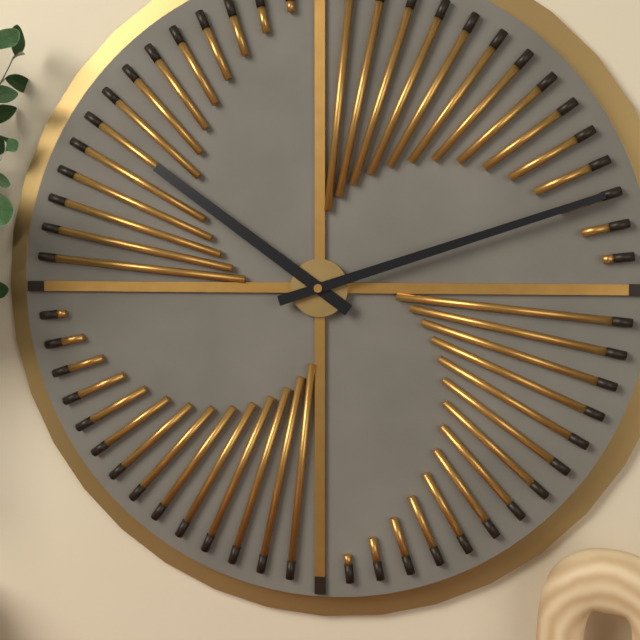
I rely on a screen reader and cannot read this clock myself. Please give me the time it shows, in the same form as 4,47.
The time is 10,12
